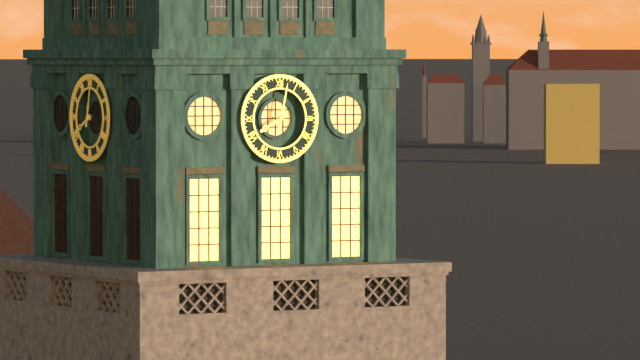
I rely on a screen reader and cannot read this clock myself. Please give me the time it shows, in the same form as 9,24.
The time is 8,02
